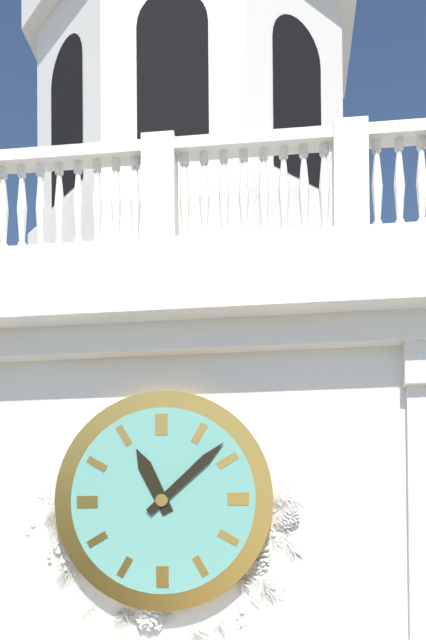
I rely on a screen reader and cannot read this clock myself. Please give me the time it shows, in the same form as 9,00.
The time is 11,08
